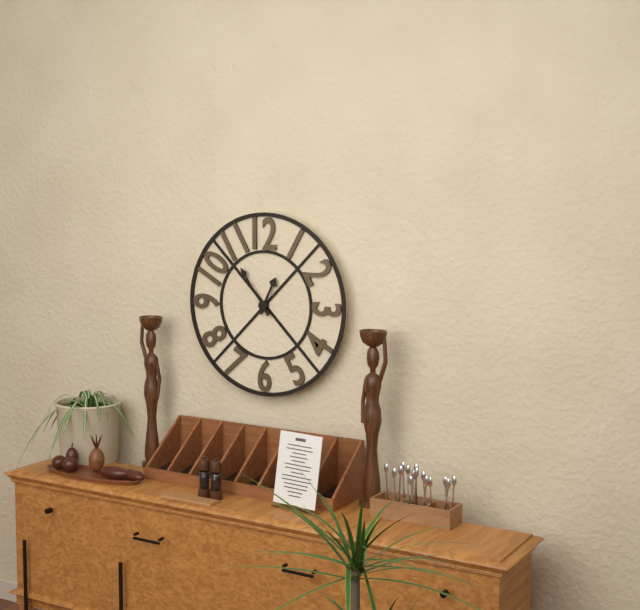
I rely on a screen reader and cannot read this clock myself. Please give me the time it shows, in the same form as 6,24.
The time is 12,54
